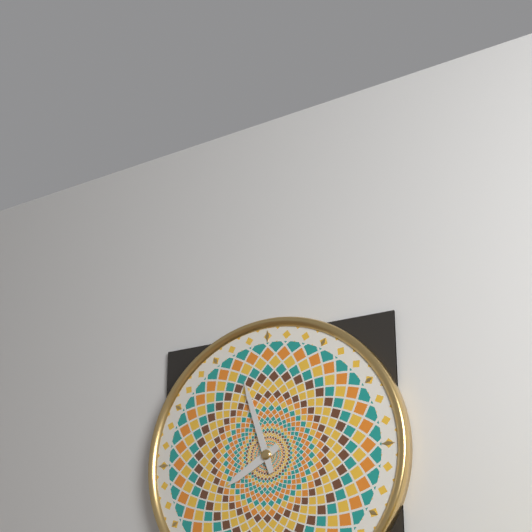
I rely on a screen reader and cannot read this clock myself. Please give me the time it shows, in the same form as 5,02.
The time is 7,57
